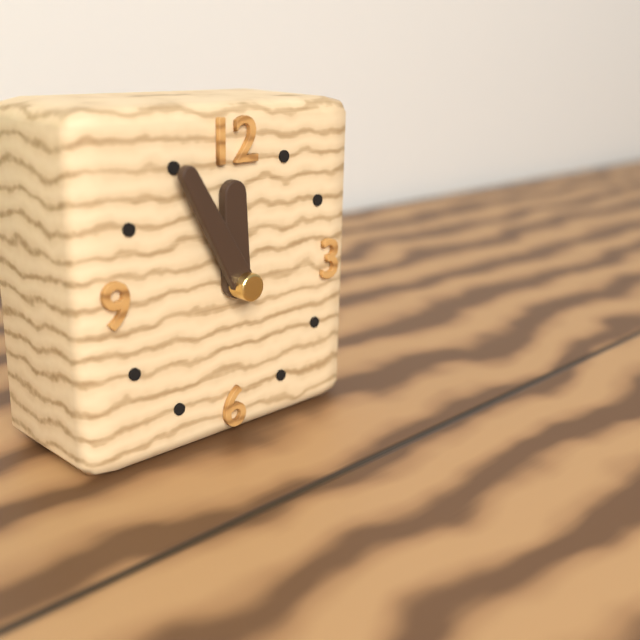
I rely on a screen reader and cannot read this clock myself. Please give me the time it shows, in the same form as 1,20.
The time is 11,55
